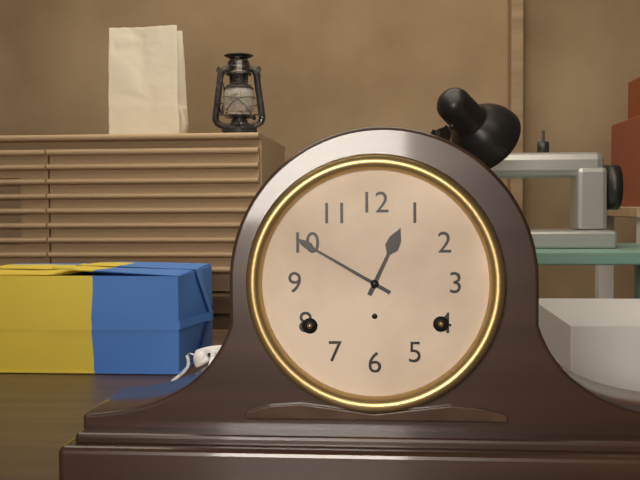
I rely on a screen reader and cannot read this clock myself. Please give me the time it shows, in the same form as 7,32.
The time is 12,50
